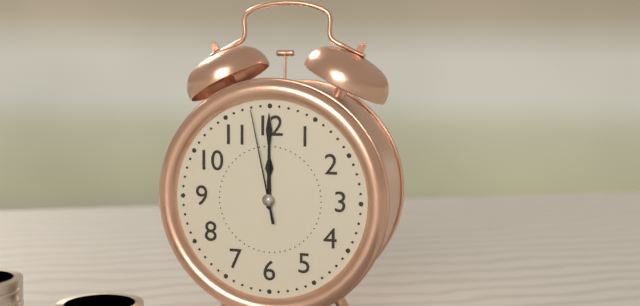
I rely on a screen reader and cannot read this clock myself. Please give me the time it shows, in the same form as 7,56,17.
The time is 12,00,58
